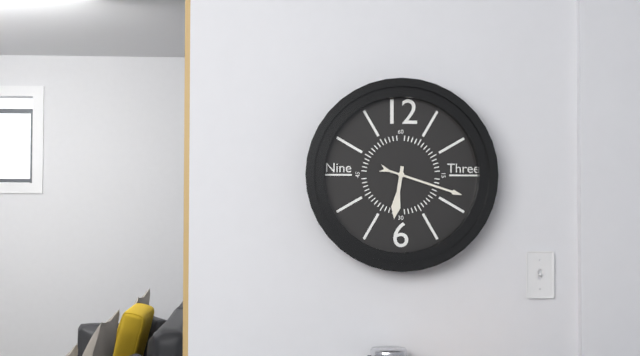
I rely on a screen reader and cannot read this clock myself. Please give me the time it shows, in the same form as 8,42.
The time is 6,18
